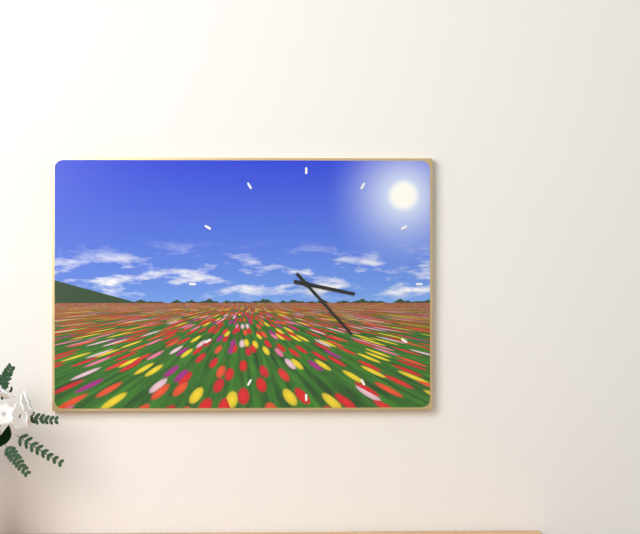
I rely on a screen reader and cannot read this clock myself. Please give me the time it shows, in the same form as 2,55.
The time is 3,23
